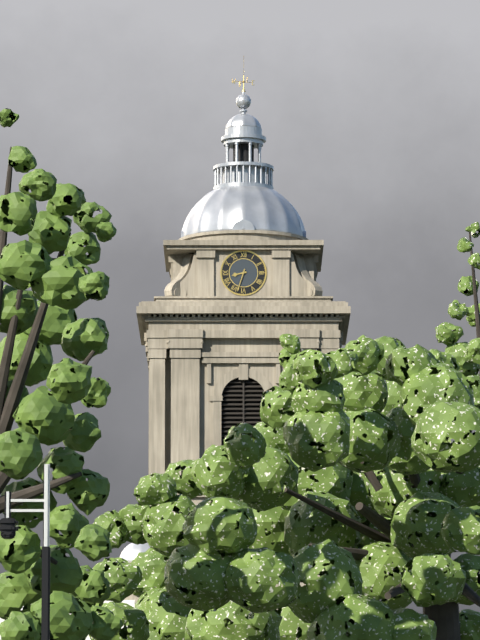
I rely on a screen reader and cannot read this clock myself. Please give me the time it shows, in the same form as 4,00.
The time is 8,33
